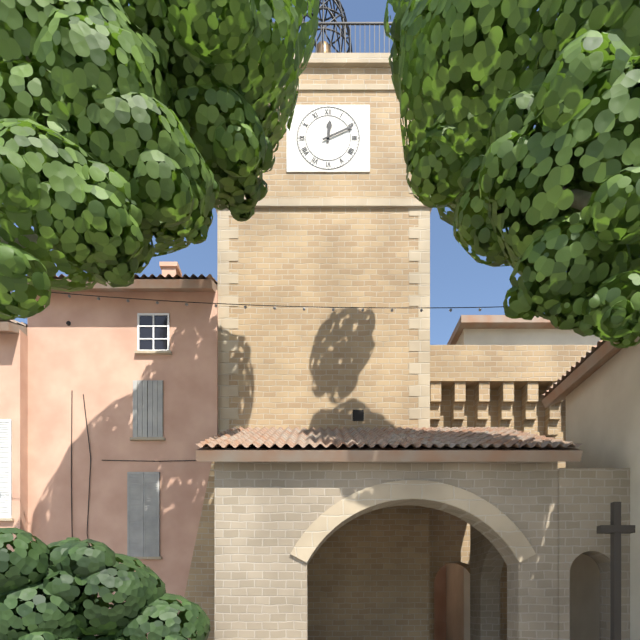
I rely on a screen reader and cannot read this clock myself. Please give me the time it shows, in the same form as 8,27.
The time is 12,11
